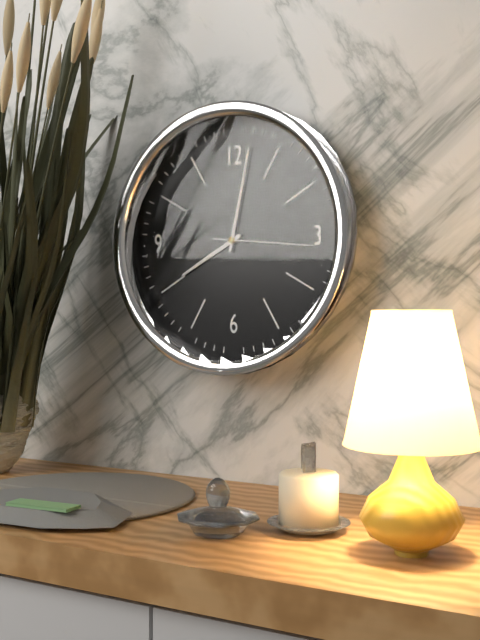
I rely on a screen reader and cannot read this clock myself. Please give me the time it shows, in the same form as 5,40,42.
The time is 8,02,16
